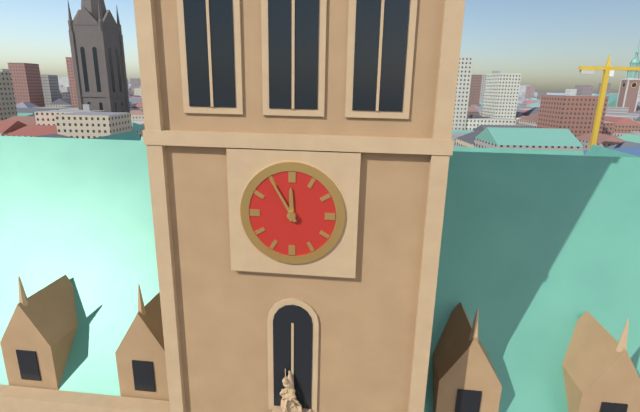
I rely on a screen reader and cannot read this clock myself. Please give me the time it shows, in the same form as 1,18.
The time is 11,55
